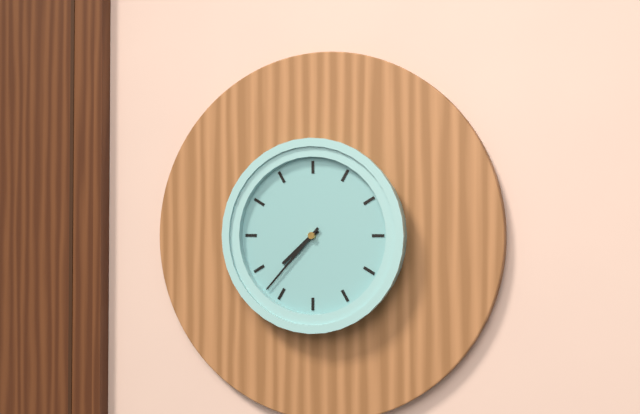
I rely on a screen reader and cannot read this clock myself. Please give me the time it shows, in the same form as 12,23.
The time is 7,37
